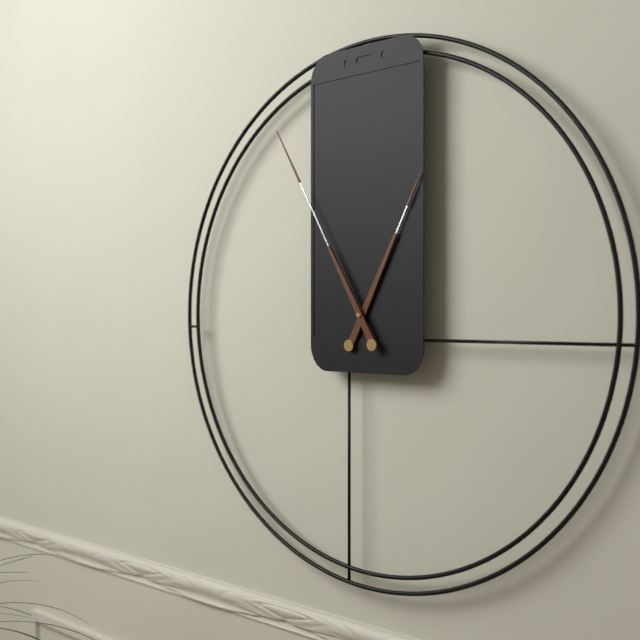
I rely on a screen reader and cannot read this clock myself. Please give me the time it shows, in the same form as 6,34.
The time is 12,55
